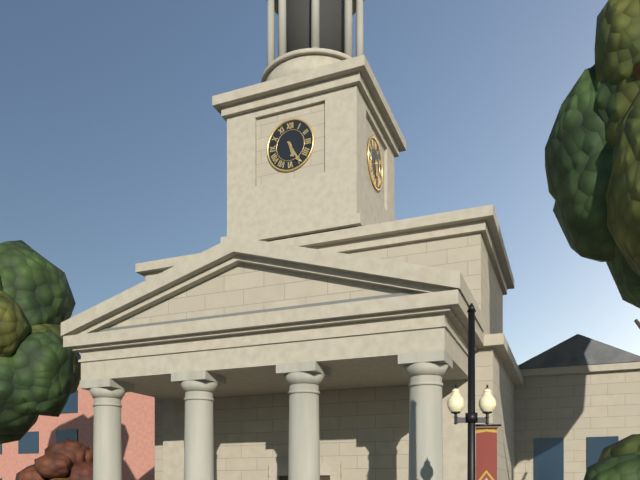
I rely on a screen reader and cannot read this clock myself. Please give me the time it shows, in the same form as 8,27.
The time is 5,25
